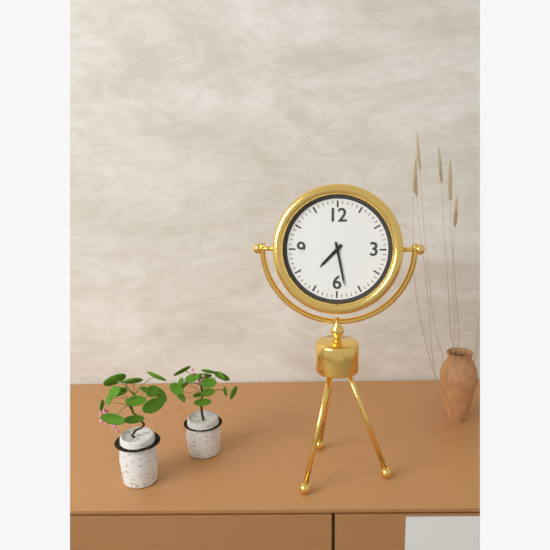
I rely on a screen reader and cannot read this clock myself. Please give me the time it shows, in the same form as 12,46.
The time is 7,28
